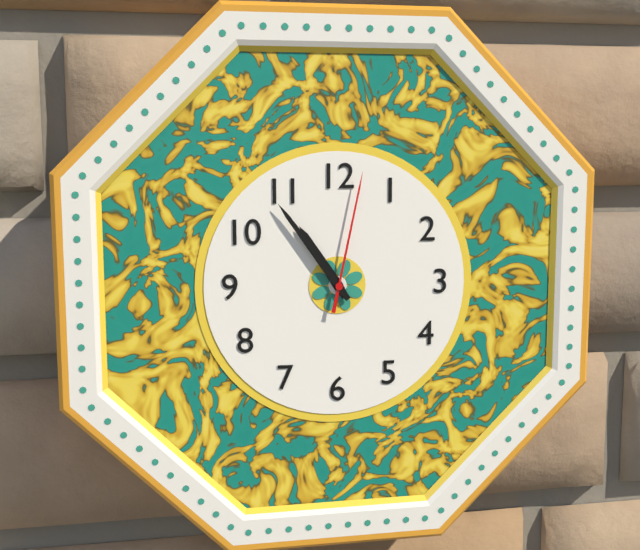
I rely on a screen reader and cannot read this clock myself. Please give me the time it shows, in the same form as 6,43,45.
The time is 10,54,02
